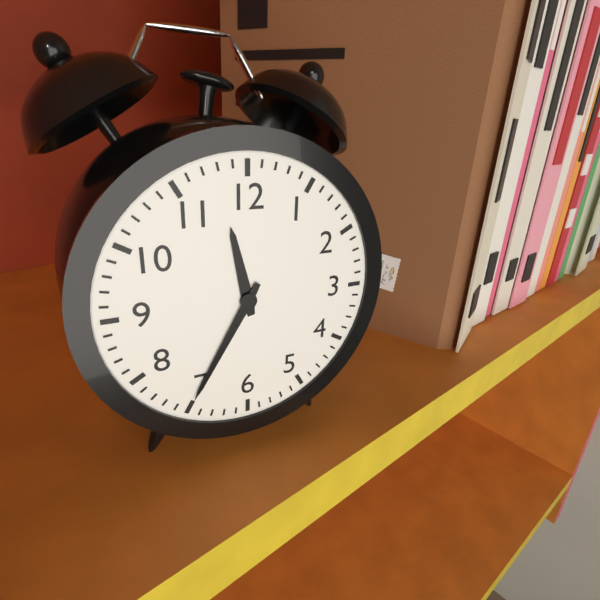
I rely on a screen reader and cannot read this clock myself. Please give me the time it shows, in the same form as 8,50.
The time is 11,35
